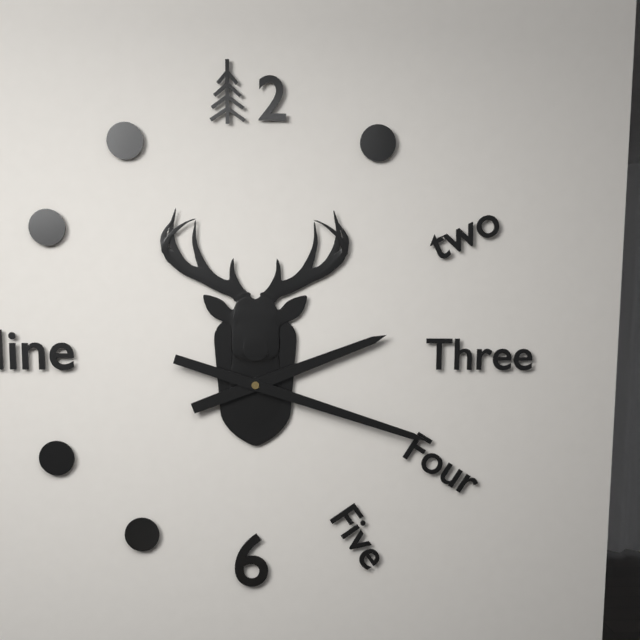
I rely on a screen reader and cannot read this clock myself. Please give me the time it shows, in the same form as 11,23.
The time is 2,18
